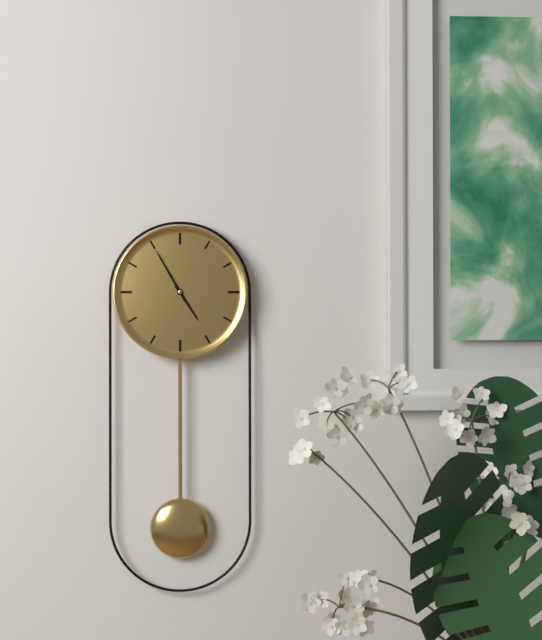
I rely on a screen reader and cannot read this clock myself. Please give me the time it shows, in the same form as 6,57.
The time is 4,55
